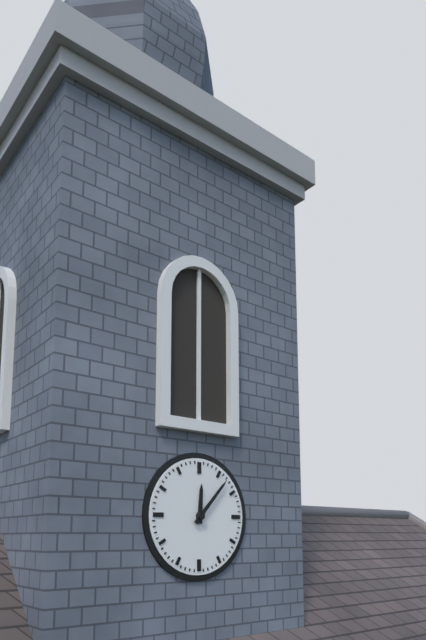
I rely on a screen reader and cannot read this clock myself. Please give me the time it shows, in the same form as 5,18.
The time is 12,07
